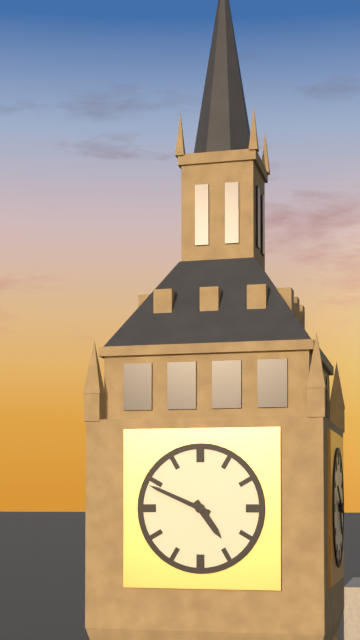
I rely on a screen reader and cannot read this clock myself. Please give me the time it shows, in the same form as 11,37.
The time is 4,49
